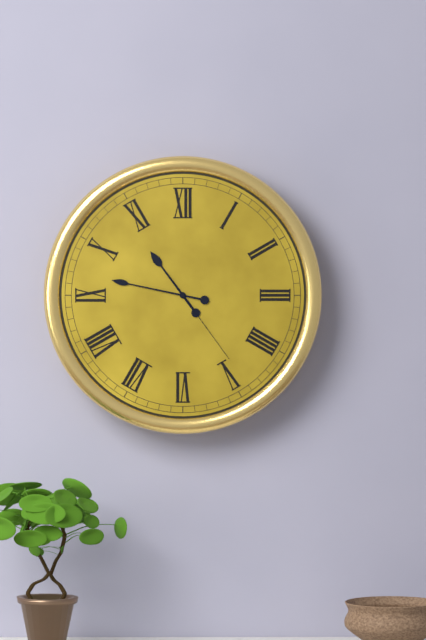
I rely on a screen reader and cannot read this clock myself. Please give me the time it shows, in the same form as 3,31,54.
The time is 10,47,24
